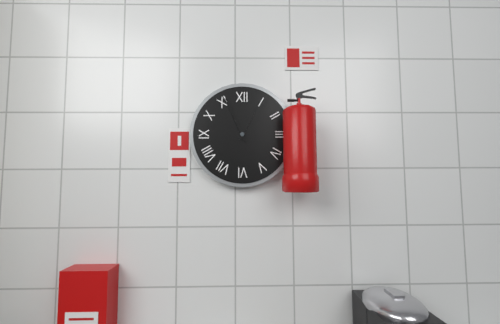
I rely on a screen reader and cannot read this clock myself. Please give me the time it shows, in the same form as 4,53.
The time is 12,56
